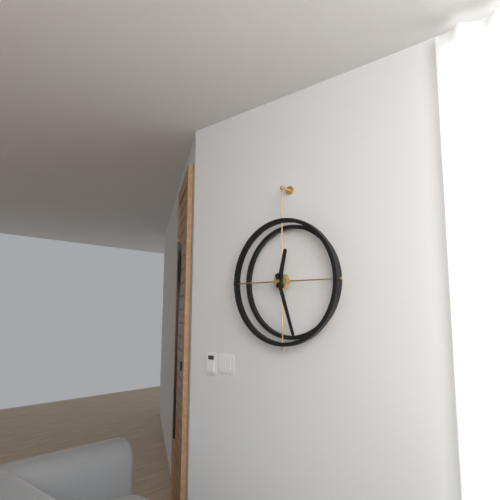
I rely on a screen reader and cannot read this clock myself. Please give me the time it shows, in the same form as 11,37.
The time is 12,27
